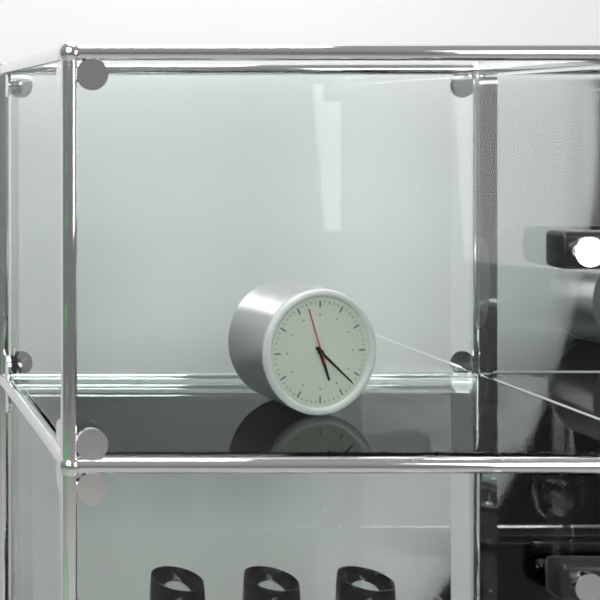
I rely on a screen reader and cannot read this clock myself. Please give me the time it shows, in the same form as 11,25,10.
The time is 5,22,57
